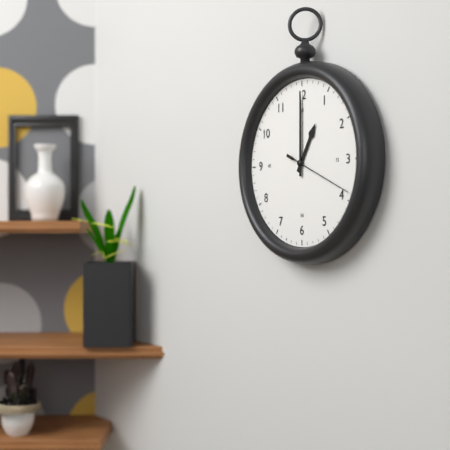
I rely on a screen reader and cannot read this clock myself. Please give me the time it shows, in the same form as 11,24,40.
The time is 1,00,19
